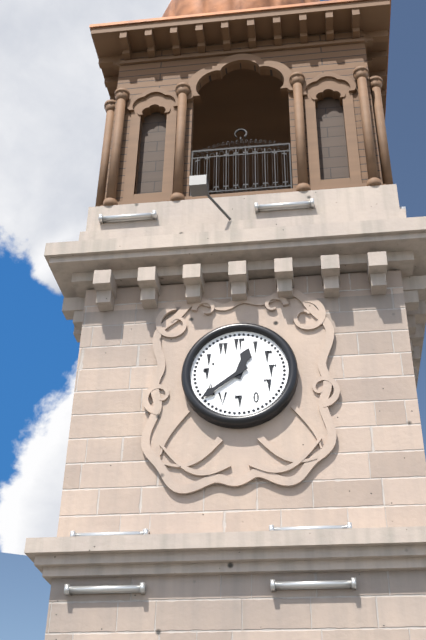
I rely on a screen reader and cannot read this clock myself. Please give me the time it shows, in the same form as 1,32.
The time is 12,39
